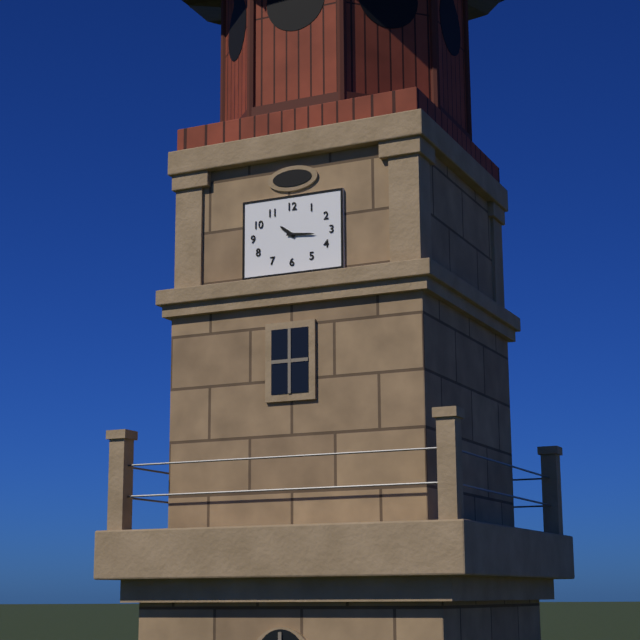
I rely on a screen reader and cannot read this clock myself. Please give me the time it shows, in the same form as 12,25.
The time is 10,16
